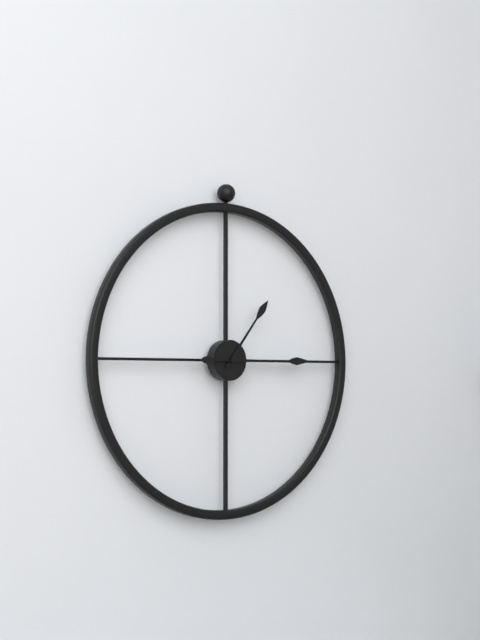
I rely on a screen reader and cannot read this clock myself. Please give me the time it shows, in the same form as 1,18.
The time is 1,15
